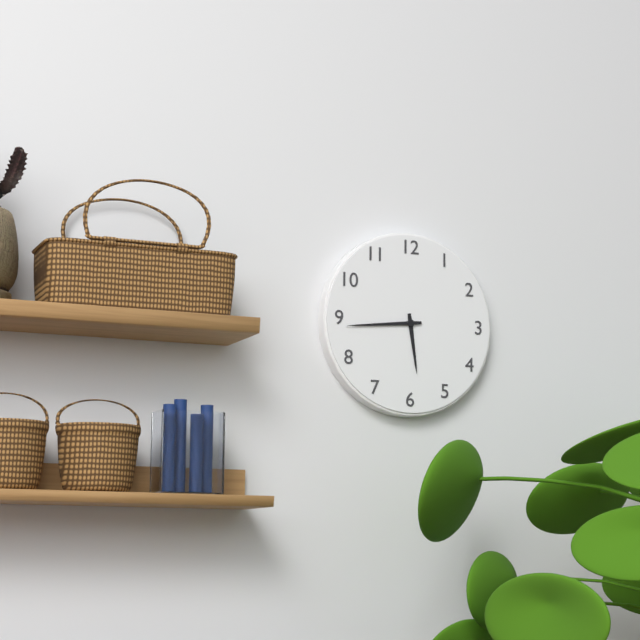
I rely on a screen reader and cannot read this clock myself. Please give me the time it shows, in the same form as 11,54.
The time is 5,44
